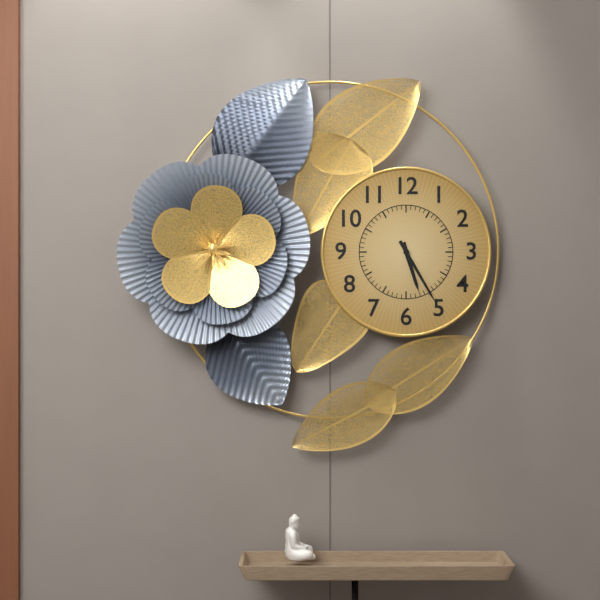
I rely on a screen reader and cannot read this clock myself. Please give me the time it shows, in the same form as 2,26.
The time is 5,25
